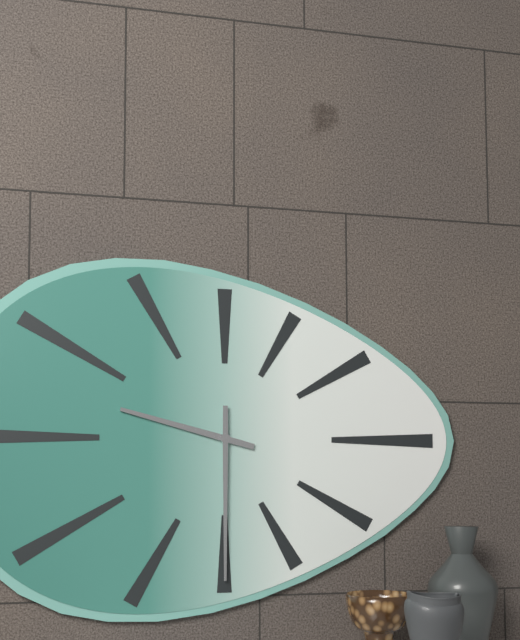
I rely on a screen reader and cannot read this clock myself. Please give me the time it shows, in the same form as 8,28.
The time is 9,30
